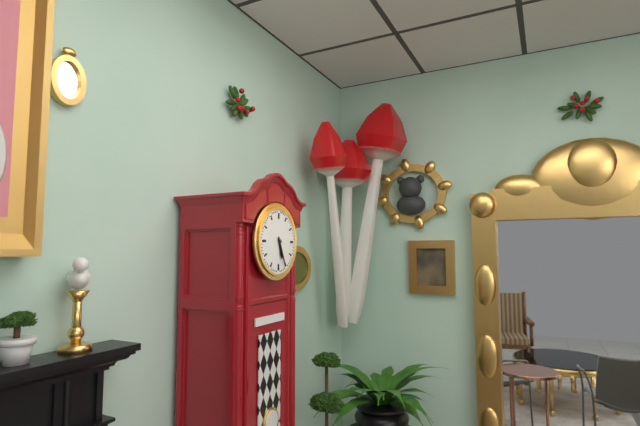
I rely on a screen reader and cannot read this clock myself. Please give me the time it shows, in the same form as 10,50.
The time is 5,26
